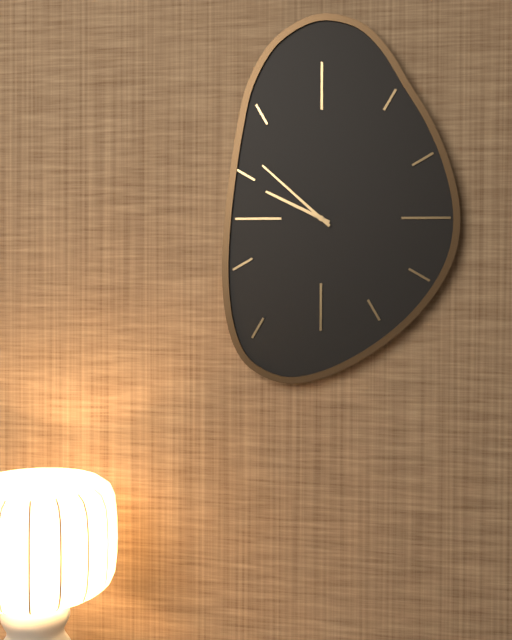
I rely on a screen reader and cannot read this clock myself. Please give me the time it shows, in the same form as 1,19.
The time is 9,52
